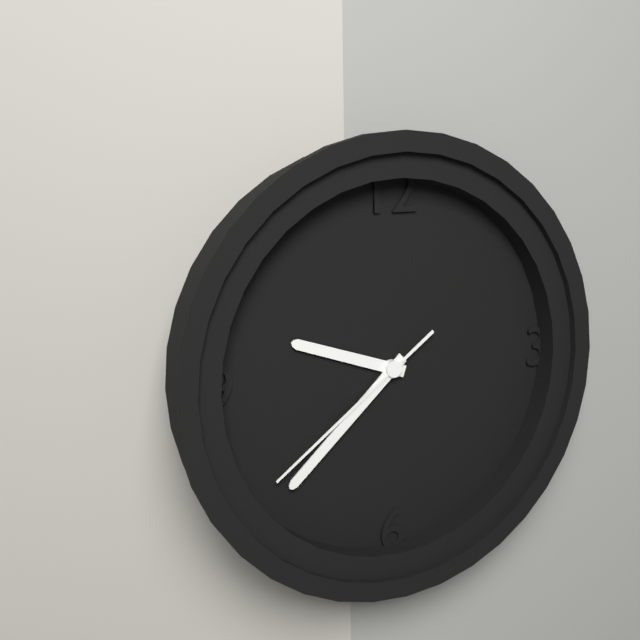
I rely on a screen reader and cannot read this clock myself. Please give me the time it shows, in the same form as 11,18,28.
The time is 9,38,39
